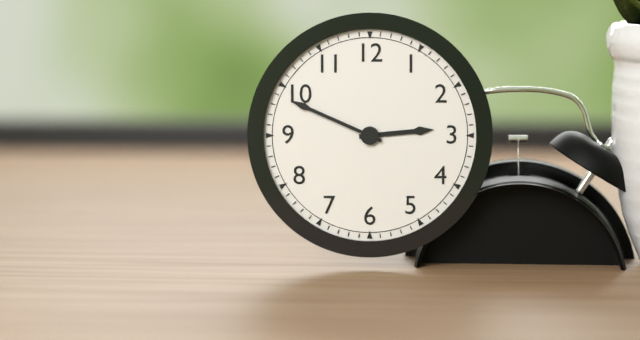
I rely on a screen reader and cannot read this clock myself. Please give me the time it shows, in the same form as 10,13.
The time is 2,49
